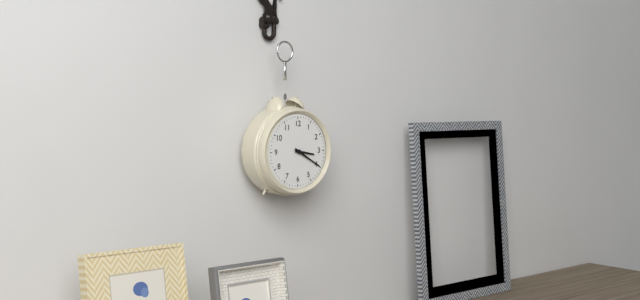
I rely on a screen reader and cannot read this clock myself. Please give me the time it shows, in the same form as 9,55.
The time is 3,20
